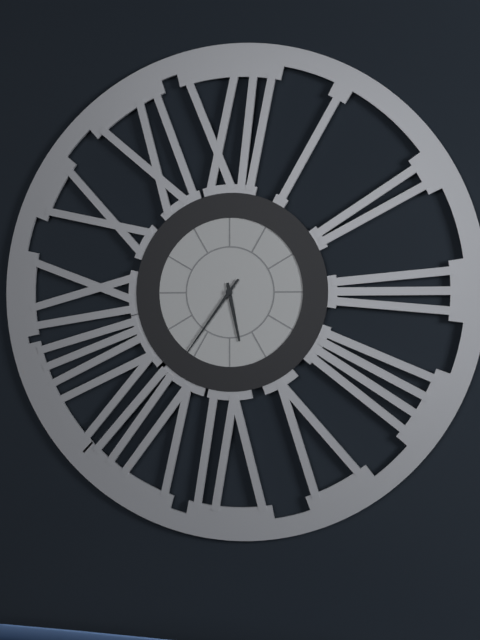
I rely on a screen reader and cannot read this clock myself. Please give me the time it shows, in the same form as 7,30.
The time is 5,36
